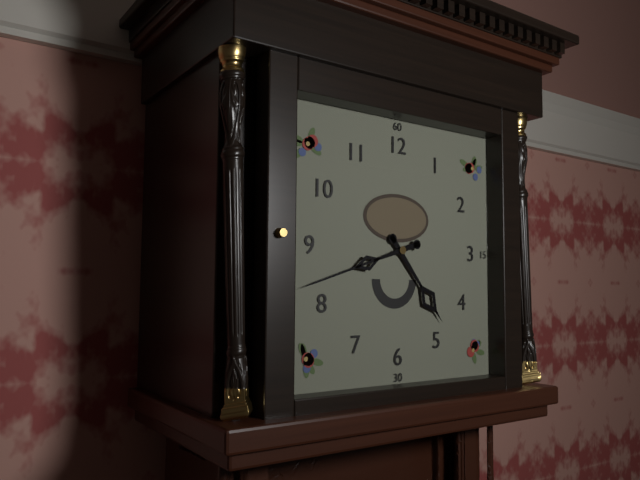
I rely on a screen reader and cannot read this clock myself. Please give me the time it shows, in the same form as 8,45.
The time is 4,42
